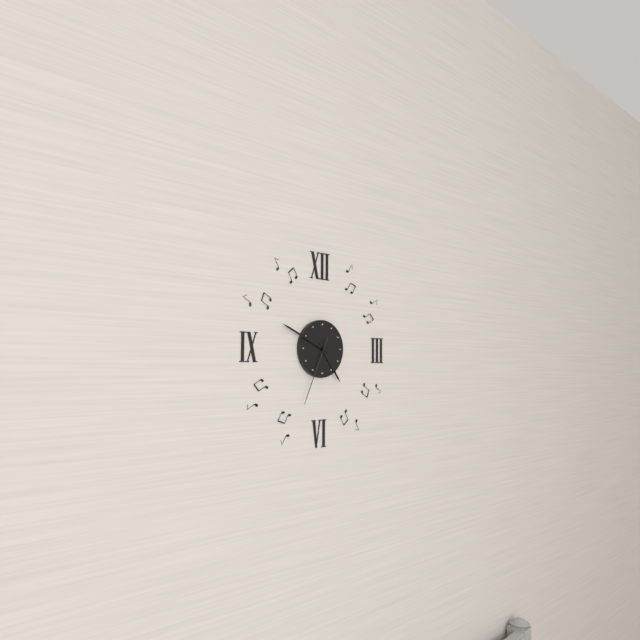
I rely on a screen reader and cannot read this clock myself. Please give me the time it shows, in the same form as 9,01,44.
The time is 4,49,34
